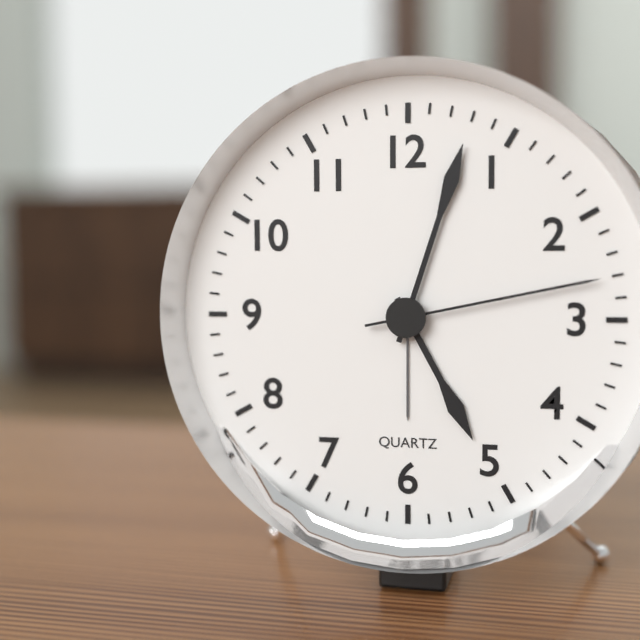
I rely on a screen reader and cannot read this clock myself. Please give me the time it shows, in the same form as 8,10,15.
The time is 5,03,13
